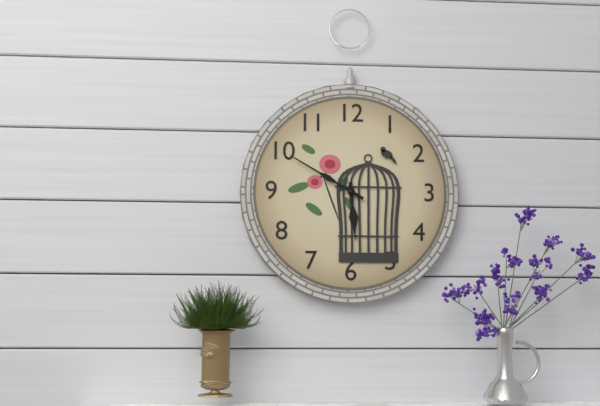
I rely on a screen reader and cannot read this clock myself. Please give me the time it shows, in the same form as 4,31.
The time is 5,50
